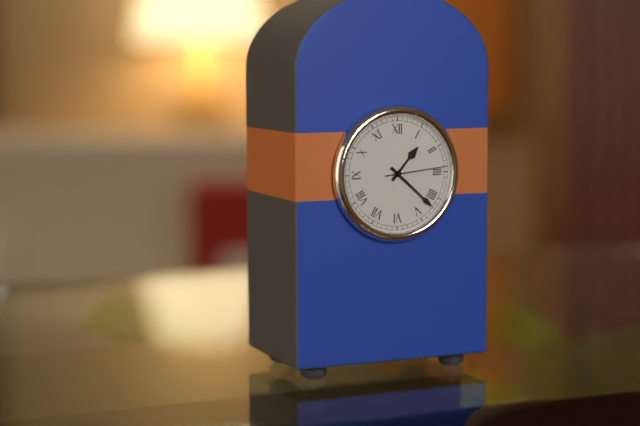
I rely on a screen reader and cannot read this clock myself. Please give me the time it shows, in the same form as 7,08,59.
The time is 1,22,14
